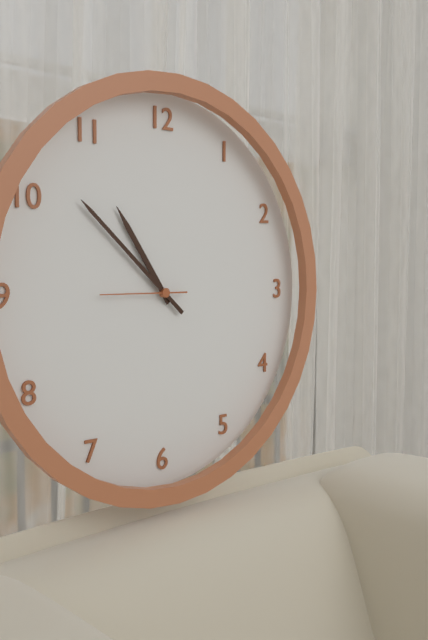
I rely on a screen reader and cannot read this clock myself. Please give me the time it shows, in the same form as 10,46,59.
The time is 10,52,45
